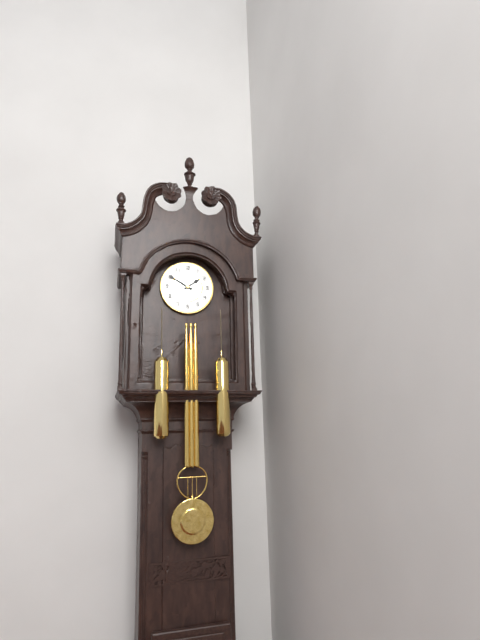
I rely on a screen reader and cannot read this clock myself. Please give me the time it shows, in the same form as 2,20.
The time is 1,50
